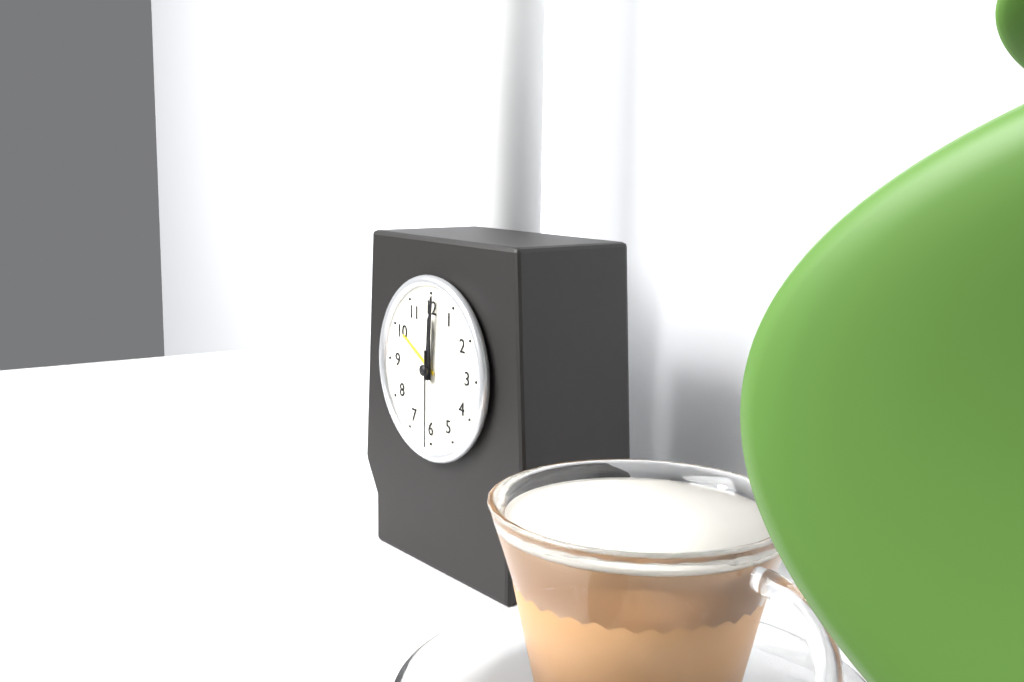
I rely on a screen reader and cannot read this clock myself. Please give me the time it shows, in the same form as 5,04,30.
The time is 12,01,30
